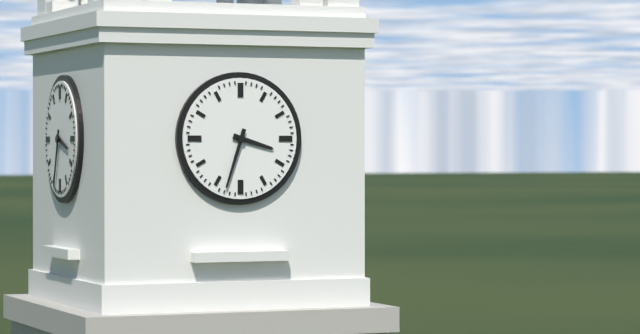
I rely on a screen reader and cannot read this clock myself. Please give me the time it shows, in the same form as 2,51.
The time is 3,33
